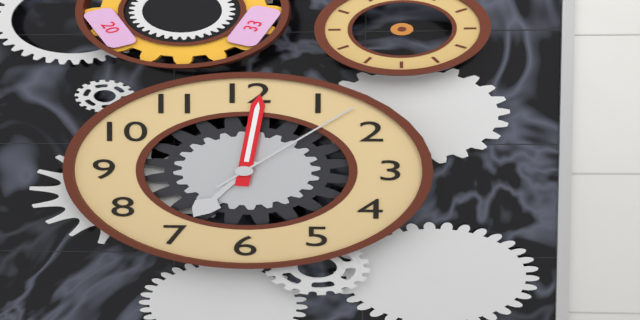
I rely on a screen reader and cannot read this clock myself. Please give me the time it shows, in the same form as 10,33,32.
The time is 7,01,07
